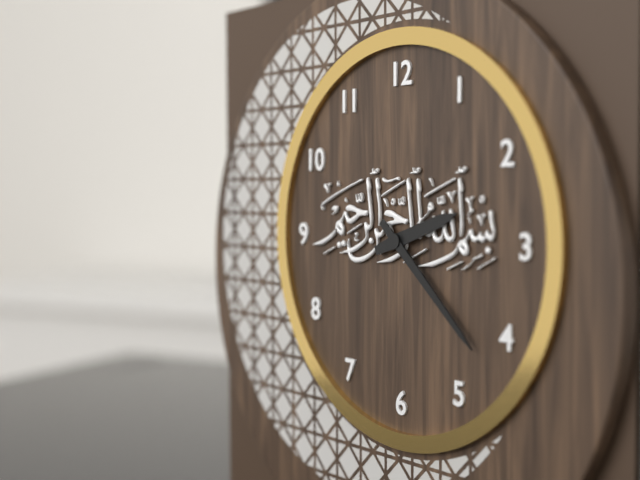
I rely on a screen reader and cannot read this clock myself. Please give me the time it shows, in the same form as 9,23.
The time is 2,22
